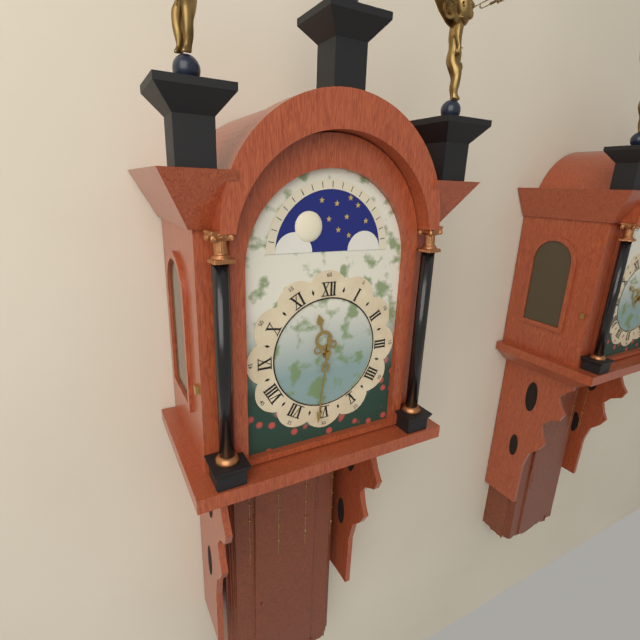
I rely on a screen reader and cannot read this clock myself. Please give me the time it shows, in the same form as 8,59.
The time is 11,31
